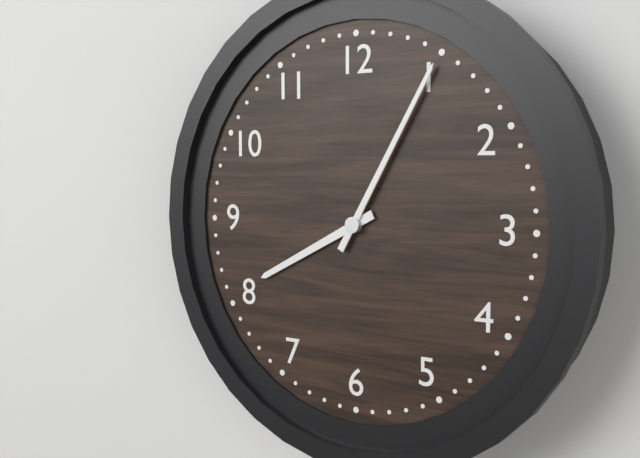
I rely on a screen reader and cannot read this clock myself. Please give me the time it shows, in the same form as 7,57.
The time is 8,05
